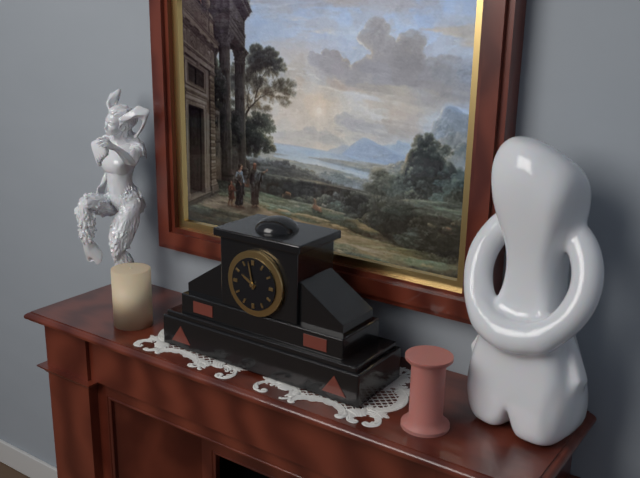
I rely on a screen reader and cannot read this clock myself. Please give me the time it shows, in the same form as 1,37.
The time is 9,58
